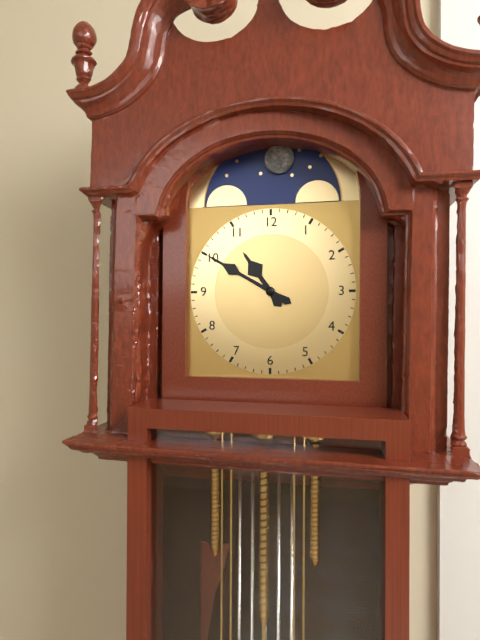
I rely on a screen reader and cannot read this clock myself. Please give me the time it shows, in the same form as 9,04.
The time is 10,50
